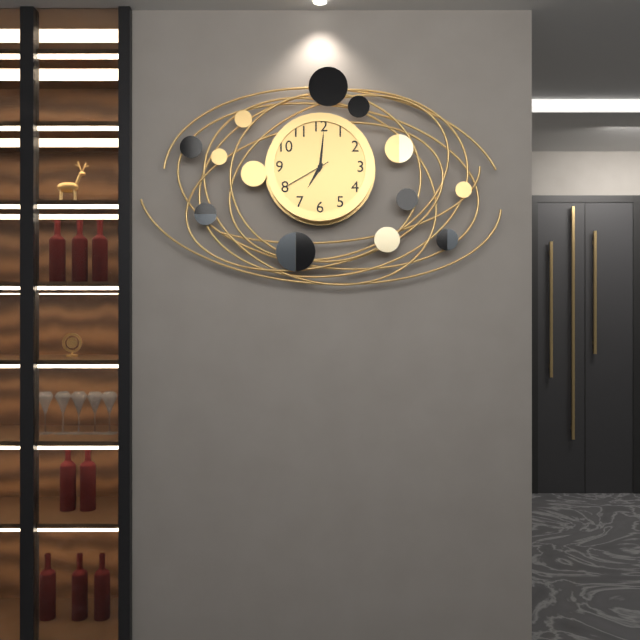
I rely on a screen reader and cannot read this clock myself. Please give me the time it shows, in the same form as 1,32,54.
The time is 7,01,40
